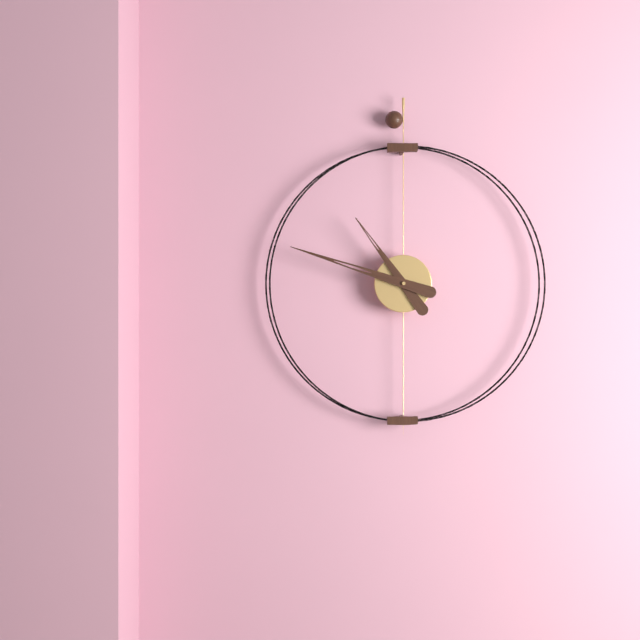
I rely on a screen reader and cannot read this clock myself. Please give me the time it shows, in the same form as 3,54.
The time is 10,48
